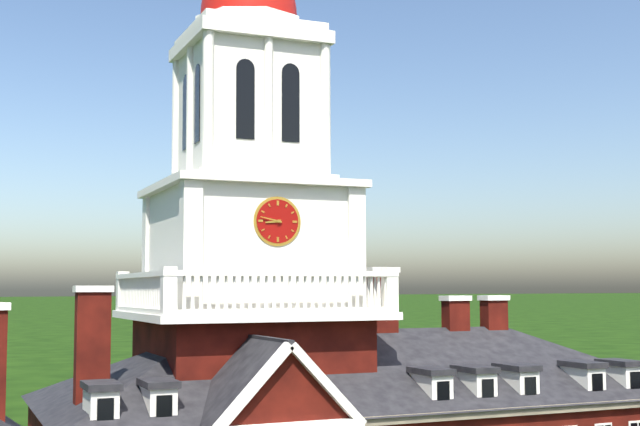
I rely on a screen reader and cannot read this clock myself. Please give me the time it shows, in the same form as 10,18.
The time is 8,47
